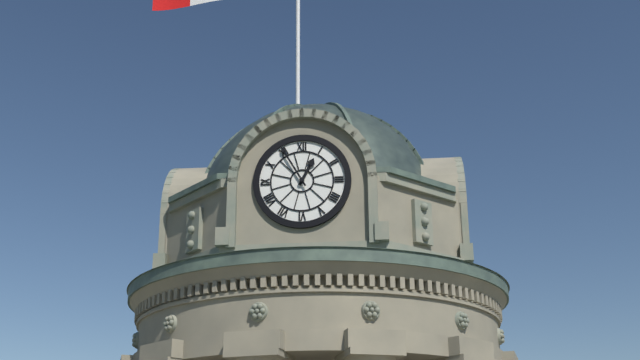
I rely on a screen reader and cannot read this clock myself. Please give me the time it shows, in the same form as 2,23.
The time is 12,55
